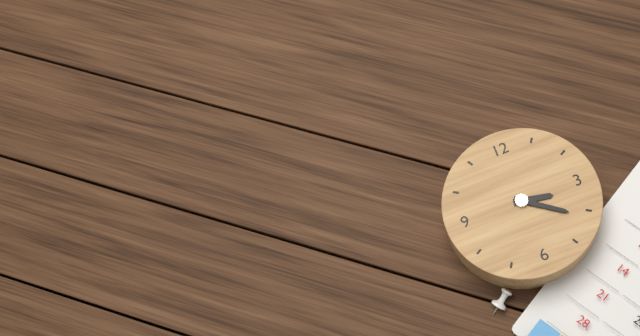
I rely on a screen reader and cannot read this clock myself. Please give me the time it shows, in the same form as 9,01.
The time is 3,21
